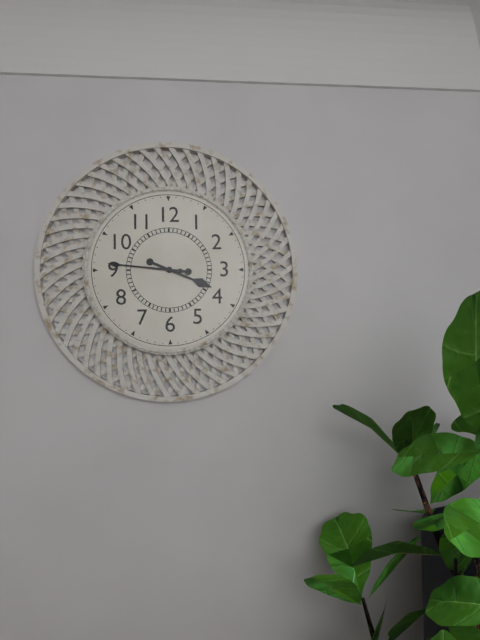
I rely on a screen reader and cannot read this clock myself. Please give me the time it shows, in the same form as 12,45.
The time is 3,46
